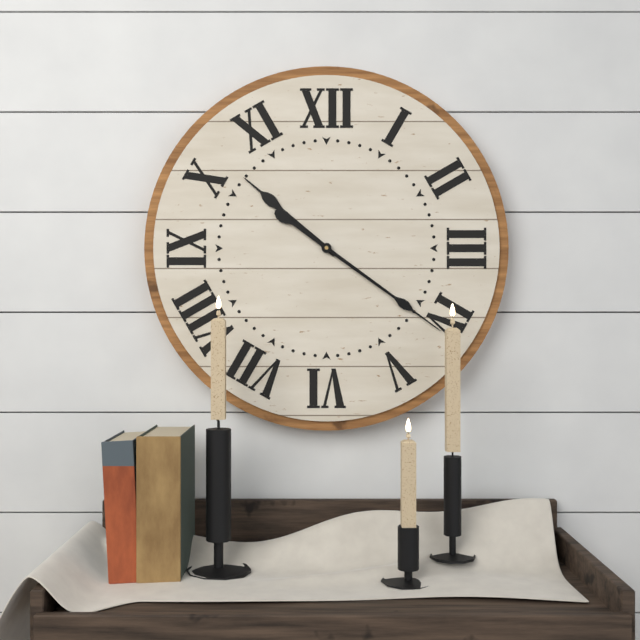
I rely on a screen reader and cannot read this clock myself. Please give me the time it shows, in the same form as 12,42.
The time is 10,21
